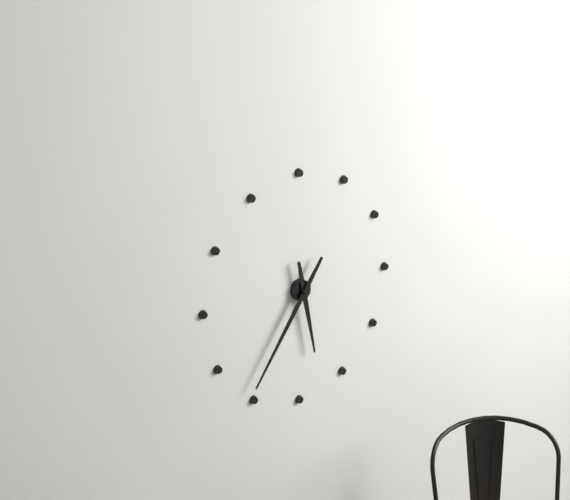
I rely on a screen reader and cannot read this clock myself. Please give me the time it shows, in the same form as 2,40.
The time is 5,36
